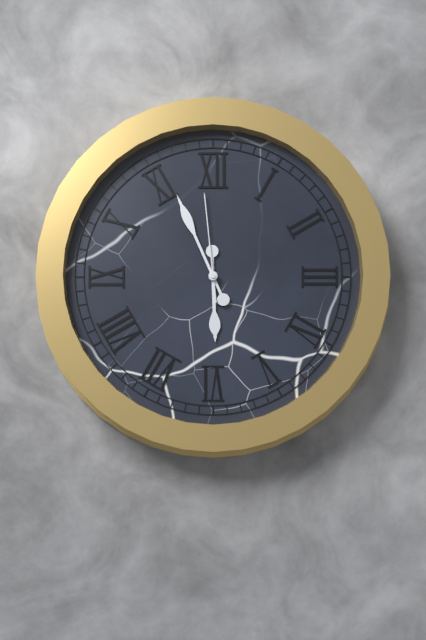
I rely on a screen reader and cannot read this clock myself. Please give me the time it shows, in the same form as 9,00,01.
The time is 5,56,59
